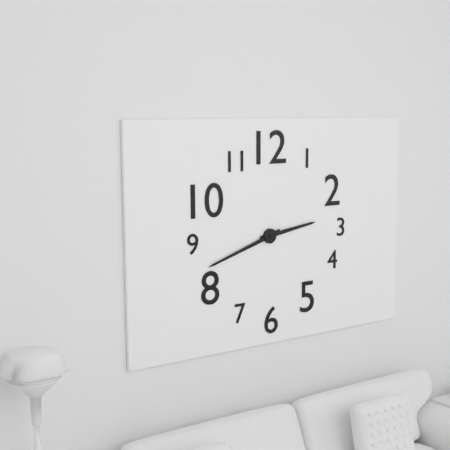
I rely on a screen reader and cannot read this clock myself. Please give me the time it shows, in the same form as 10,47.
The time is 2,42
